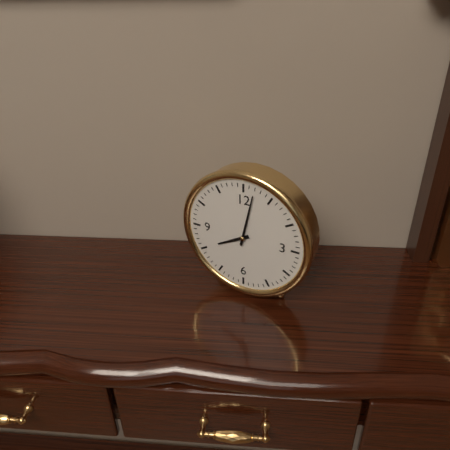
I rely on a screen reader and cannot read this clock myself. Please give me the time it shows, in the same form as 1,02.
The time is 8,02
